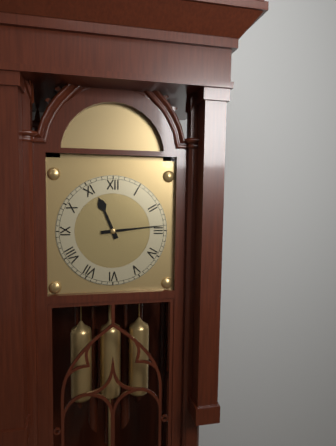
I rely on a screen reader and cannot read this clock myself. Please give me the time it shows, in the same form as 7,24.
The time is 11,14
